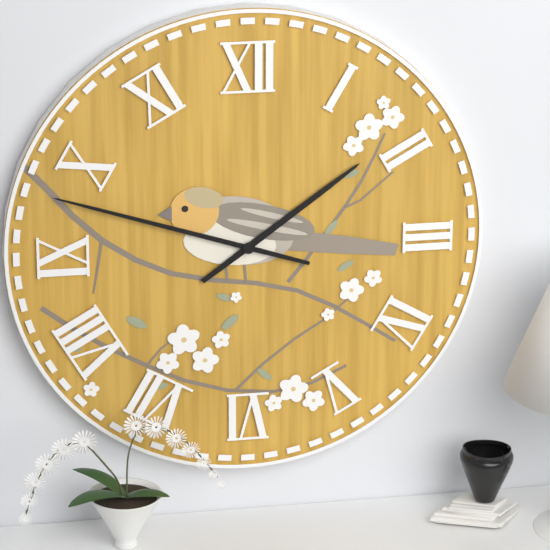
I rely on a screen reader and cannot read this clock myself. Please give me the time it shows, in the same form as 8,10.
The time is 1,48
